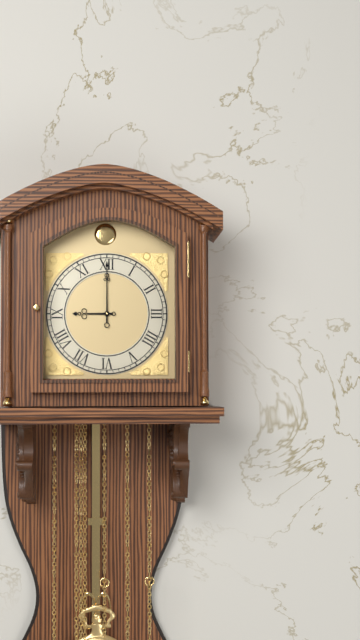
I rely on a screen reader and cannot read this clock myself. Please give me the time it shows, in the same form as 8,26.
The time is 9,00
